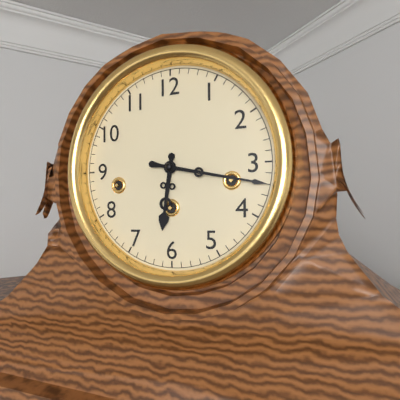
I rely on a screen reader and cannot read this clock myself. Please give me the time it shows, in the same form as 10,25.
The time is 6,17
